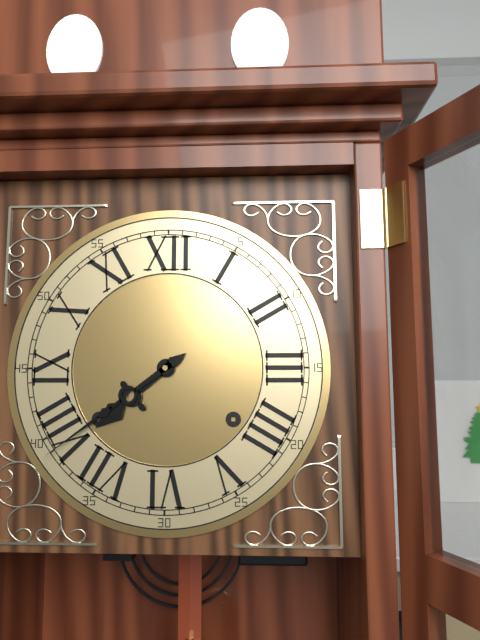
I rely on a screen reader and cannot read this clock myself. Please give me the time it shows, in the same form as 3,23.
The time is 7,39
